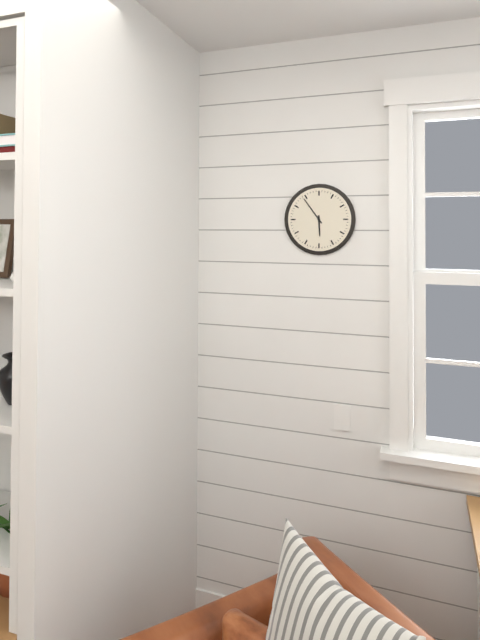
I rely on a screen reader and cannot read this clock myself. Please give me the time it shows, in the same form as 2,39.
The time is 5,54
